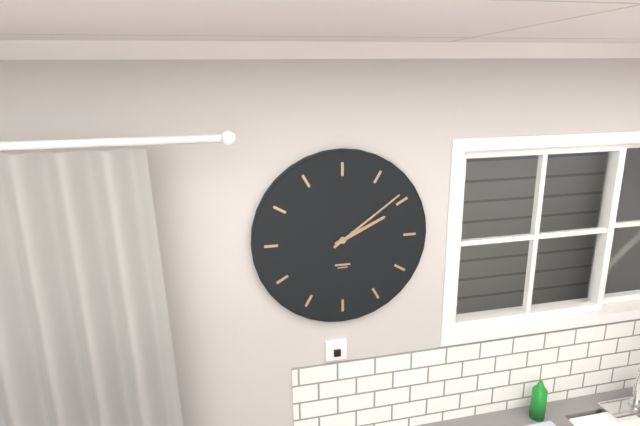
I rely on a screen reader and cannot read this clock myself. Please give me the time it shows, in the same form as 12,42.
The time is 2,09
